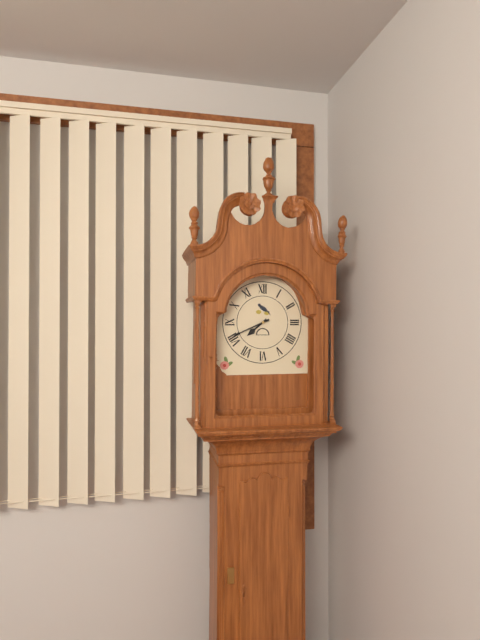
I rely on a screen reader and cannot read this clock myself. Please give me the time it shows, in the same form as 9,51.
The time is 7,41
